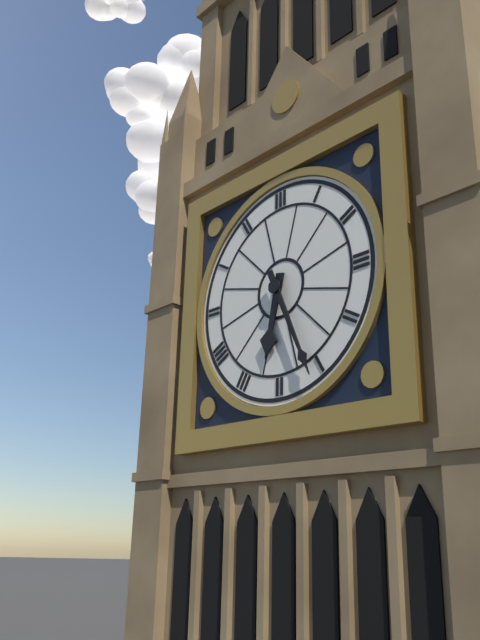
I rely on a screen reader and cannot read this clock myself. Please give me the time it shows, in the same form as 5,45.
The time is 6,26
